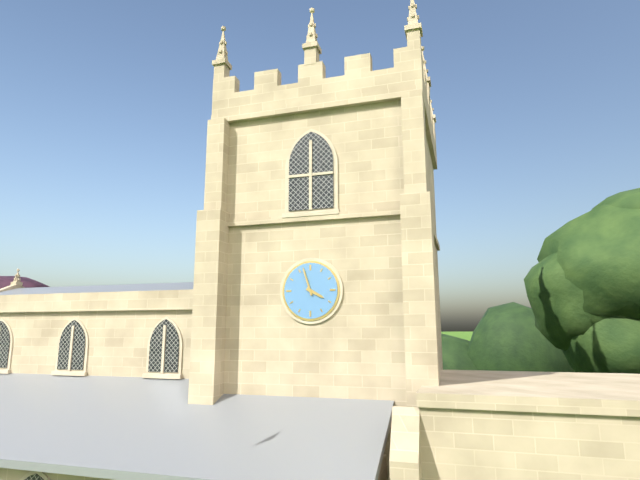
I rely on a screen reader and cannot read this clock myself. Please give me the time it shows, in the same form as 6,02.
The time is 3,57
